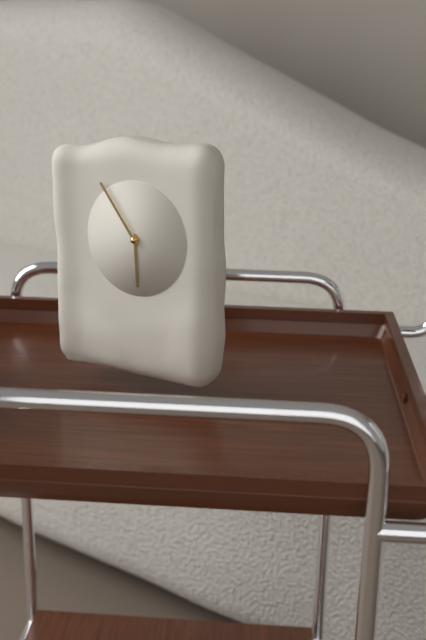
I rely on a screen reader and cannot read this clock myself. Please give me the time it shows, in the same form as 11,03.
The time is 5,54
